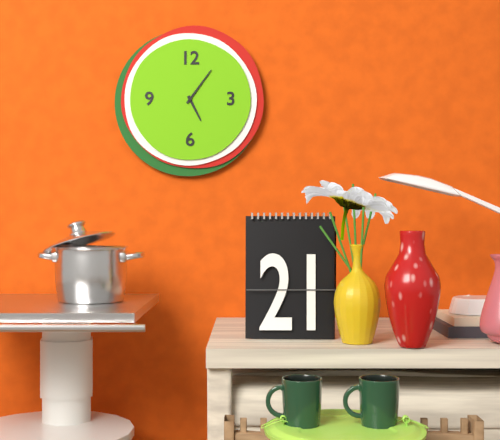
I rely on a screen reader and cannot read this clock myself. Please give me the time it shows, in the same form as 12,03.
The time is 5,06
